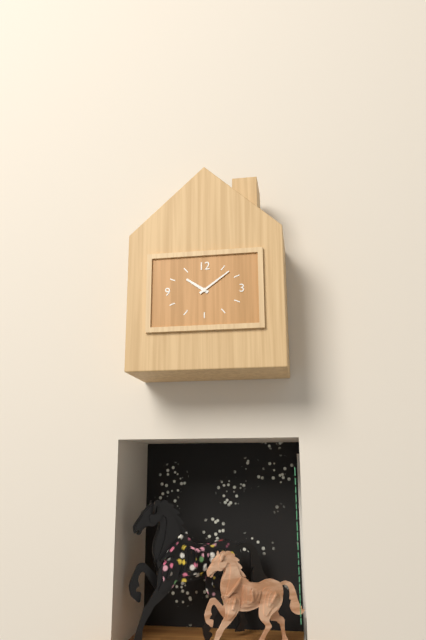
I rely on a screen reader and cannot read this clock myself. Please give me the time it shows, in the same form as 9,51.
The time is 10,09
